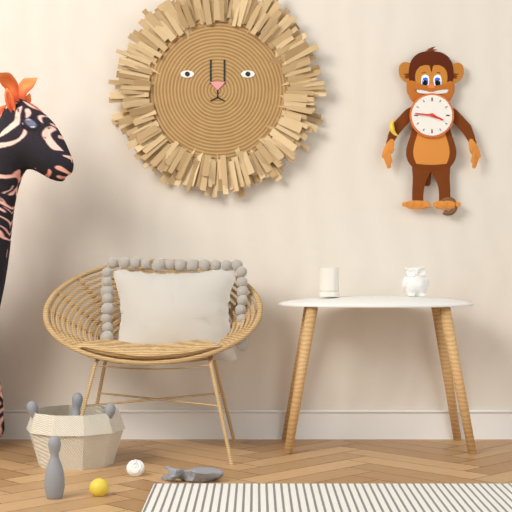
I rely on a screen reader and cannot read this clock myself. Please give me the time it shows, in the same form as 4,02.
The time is 3,46
